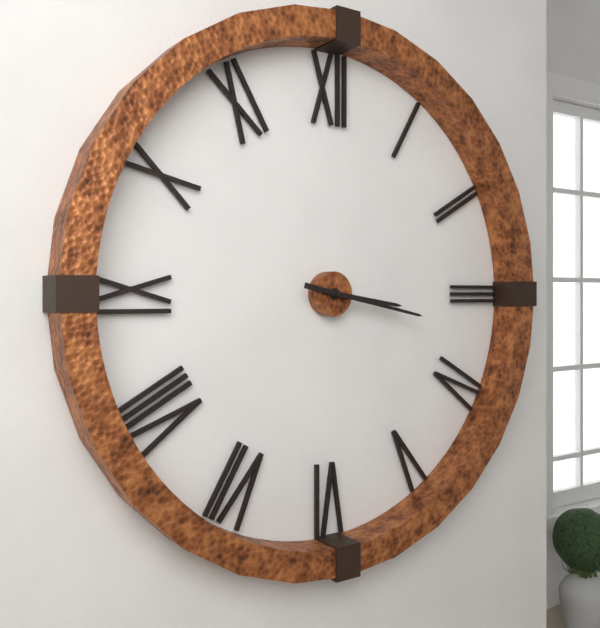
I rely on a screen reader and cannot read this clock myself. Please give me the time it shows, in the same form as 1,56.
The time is 3,17
